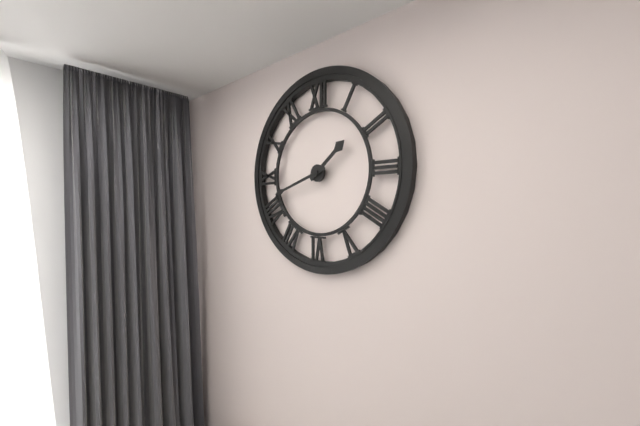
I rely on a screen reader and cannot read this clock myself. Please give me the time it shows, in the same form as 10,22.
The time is 1,42
